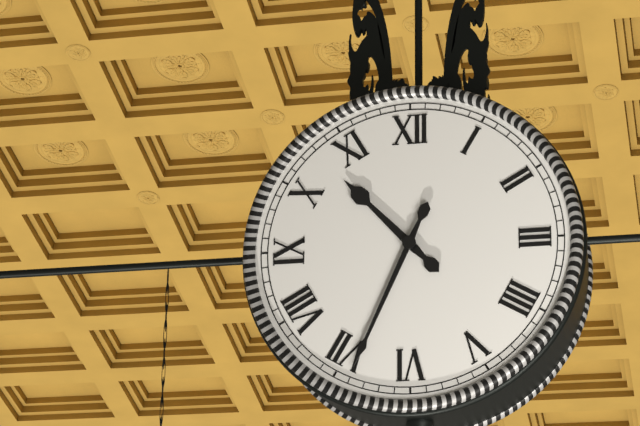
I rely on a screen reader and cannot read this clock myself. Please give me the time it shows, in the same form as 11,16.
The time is 10,34
